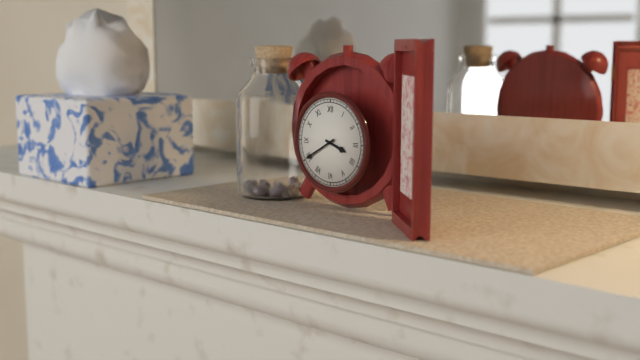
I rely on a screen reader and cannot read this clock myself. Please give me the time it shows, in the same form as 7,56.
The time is 3,40
